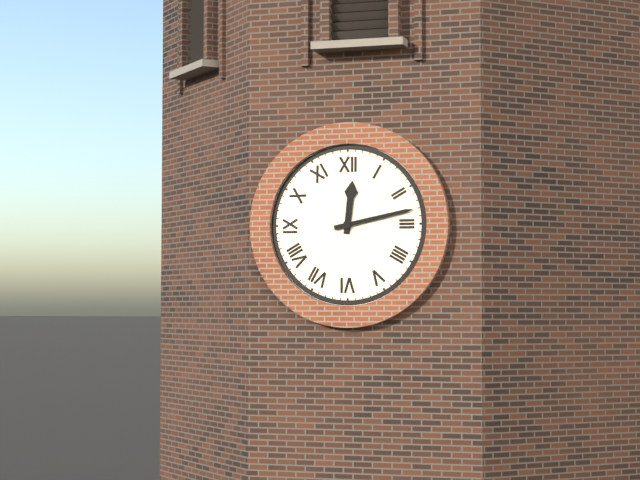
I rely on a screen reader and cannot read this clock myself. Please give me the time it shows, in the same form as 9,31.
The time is 12,13
